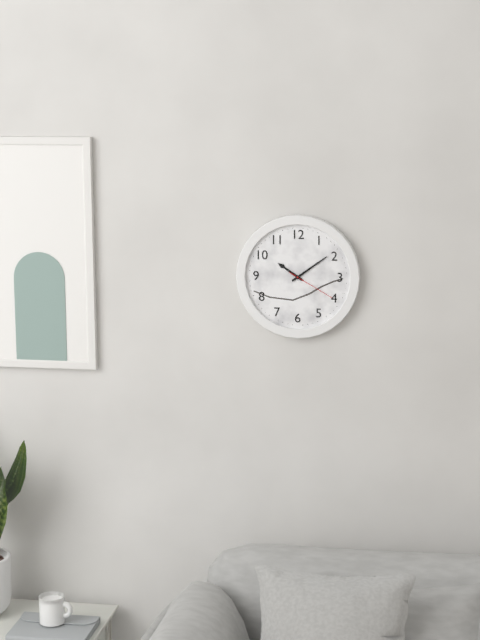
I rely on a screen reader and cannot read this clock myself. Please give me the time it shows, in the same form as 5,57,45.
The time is 10,09,20
